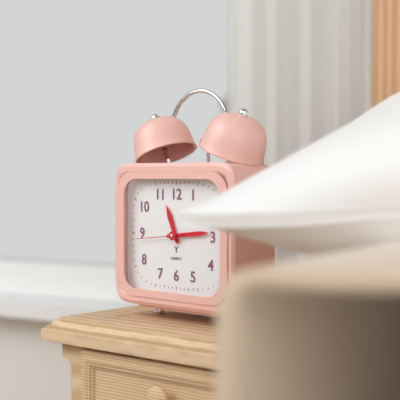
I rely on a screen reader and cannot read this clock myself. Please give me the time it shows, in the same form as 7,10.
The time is 11,14
